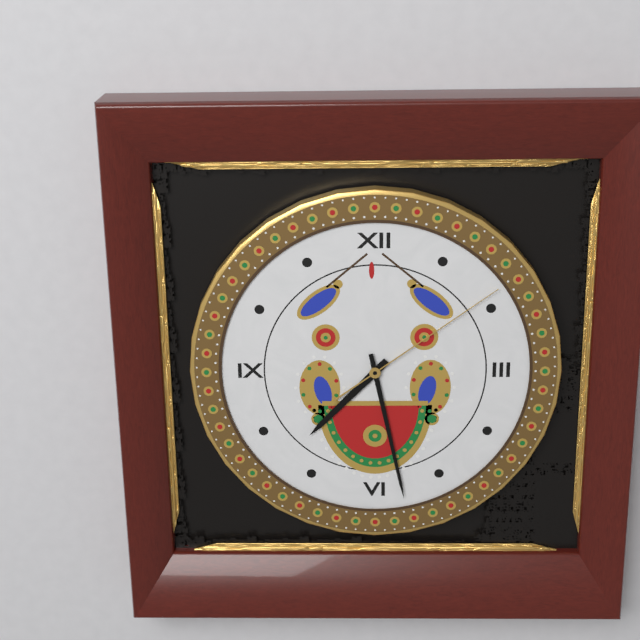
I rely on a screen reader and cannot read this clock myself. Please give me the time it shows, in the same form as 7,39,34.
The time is 7,28,09
